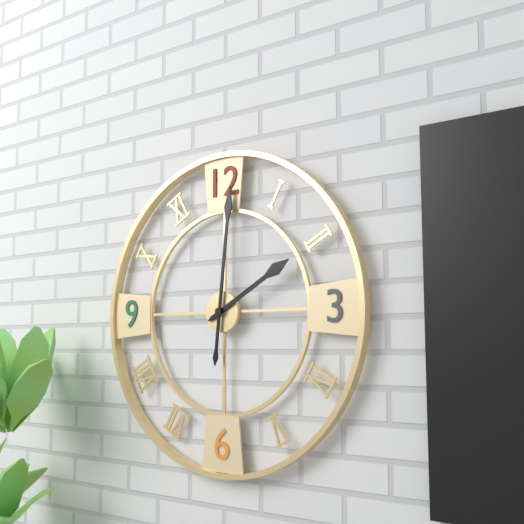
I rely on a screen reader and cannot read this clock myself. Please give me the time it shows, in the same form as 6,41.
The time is 2,01
